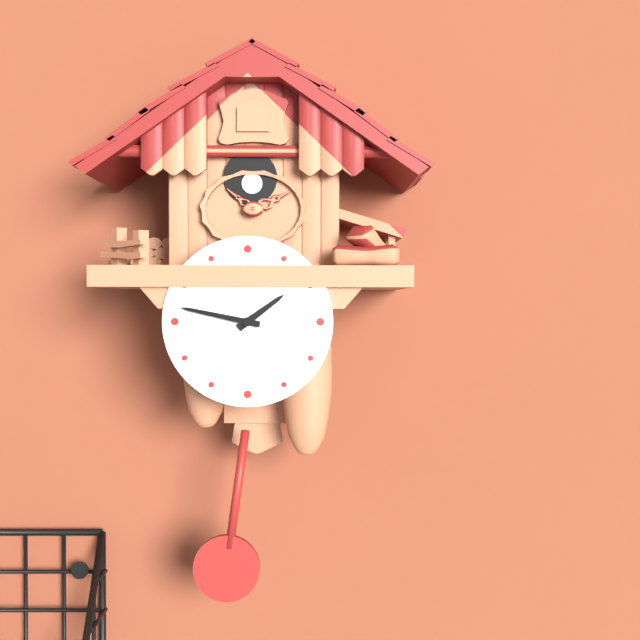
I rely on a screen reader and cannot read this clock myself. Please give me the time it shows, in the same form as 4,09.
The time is 1,47
